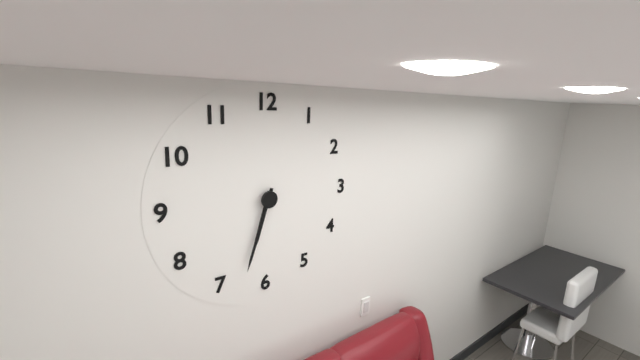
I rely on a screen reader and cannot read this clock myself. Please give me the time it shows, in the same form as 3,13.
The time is 6,33
